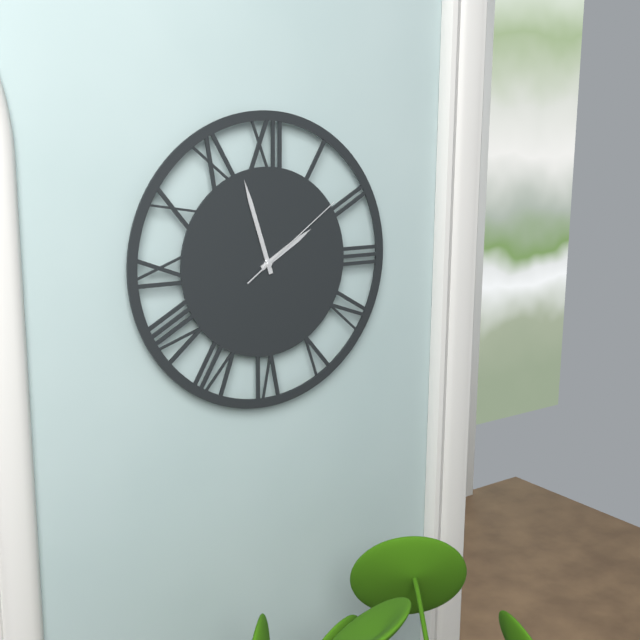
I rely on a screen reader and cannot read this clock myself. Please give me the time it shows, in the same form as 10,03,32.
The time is 1,57,09
